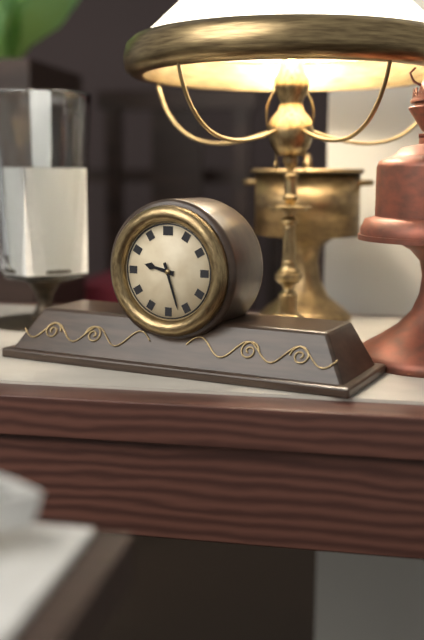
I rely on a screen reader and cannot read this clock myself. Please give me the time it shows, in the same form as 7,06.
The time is 9,27
